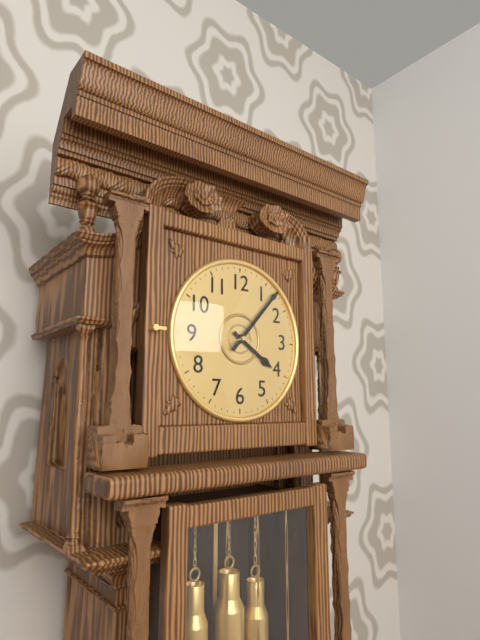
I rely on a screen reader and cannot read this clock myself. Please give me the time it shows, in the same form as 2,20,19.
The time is 4,07,42
